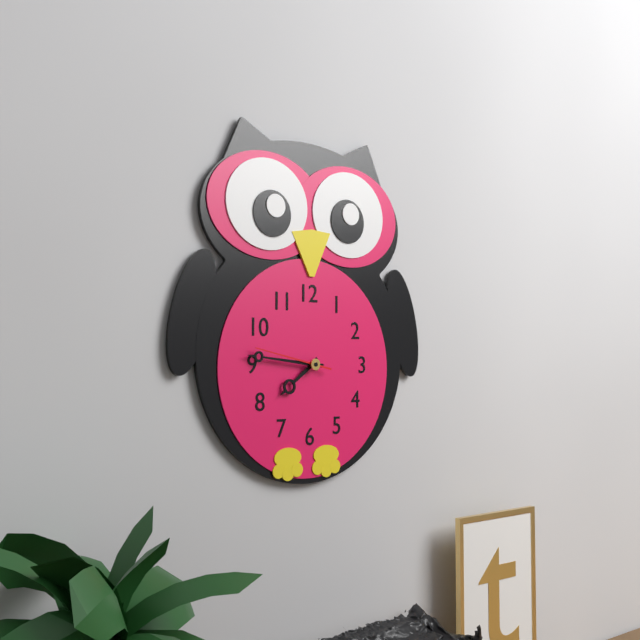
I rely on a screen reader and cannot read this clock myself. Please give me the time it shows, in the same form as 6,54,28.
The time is 7,46,47
